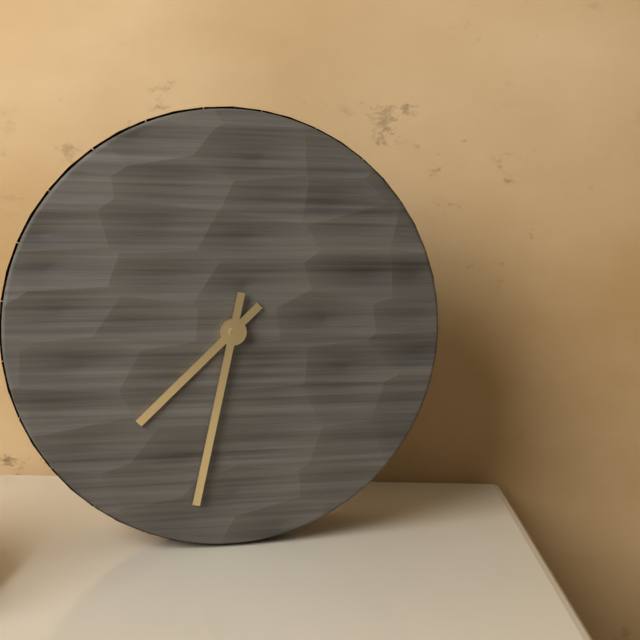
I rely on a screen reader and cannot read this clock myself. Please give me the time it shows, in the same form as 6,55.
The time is 7,32
